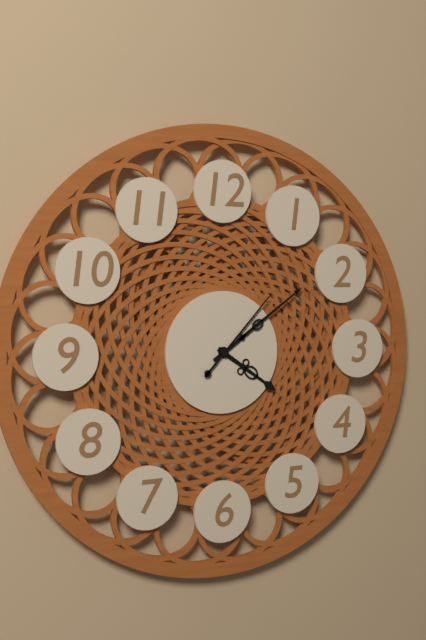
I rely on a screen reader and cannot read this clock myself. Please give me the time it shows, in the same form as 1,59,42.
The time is 4,09,07
